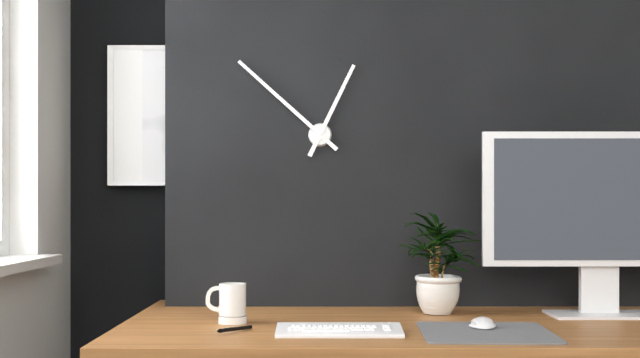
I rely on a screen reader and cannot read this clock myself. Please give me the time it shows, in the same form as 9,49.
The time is 12,52
